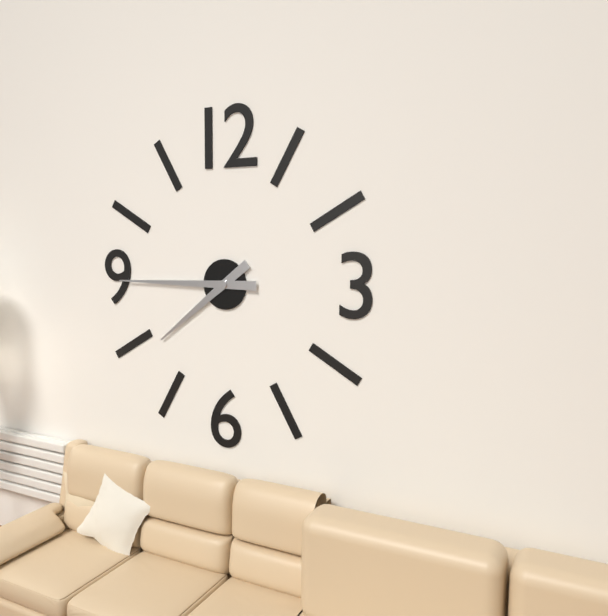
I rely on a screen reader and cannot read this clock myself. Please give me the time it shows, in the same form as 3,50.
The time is 7,45
